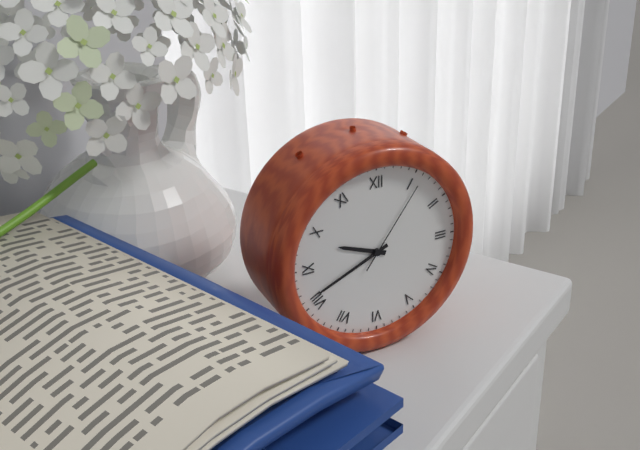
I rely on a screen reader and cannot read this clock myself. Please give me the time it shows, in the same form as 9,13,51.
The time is 9,41,06
